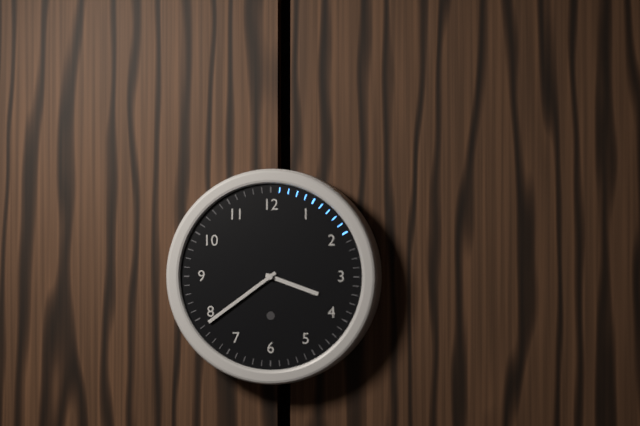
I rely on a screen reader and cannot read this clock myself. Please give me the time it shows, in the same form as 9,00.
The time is 3,39
